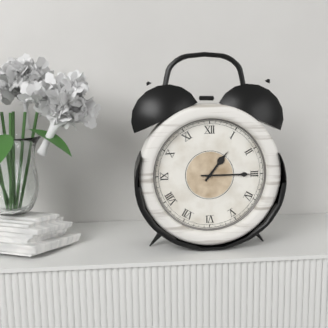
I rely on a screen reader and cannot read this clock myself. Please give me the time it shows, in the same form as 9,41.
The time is 1,15
